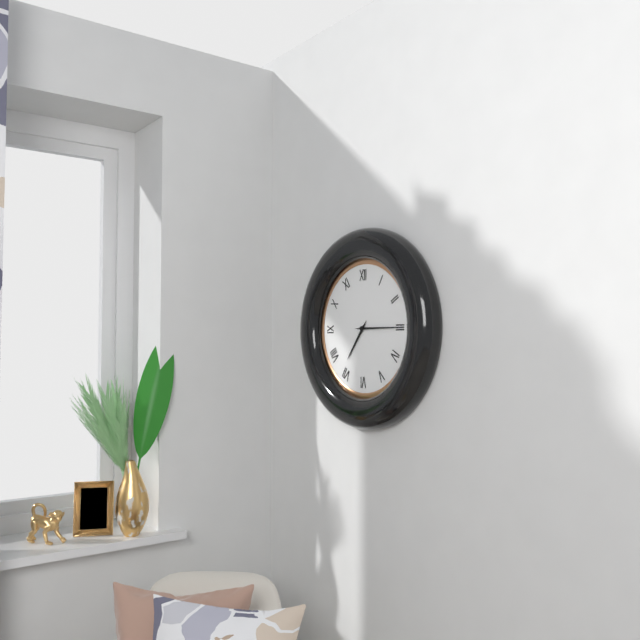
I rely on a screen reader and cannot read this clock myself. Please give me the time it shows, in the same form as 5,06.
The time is 7,15
